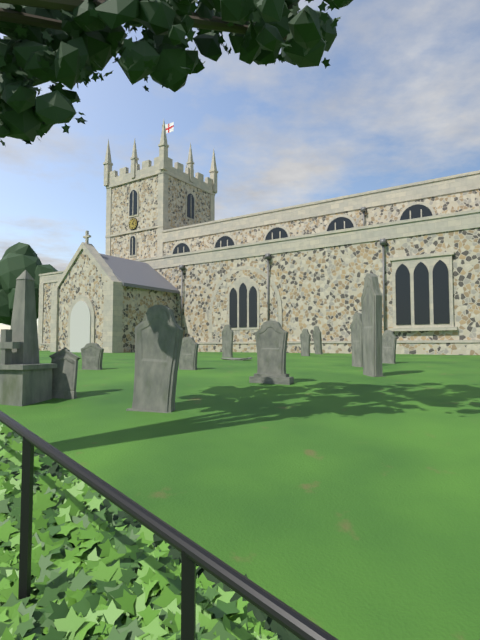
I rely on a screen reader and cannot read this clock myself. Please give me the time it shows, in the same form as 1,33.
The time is 4,07
